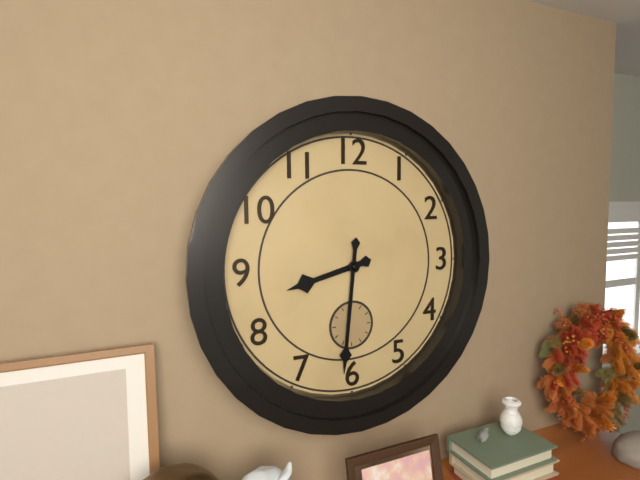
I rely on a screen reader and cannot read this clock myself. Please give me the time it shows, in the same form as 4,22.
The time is 8,31
